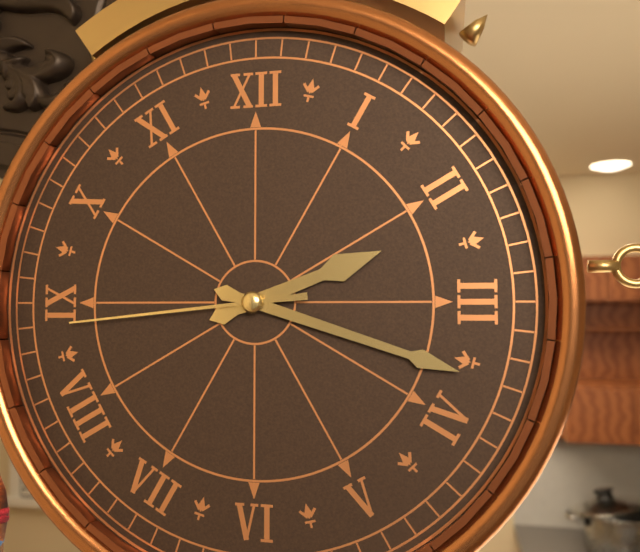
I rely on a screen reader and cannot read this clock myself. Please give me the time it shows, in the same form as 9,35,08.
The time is 2,18,44
